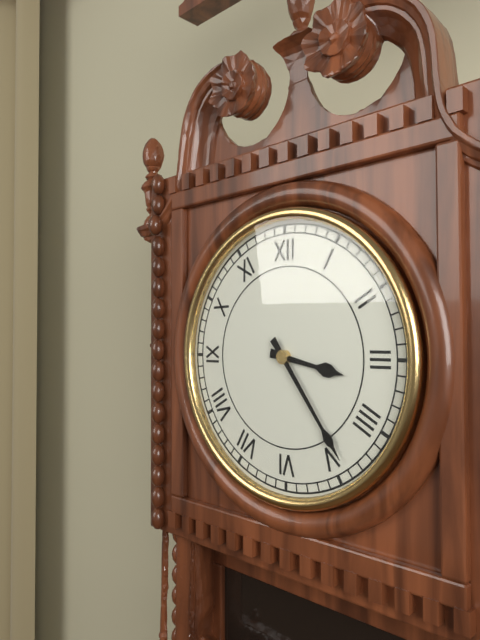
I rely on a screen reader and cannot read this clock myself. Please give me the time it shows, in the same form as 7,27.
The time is 3,24
